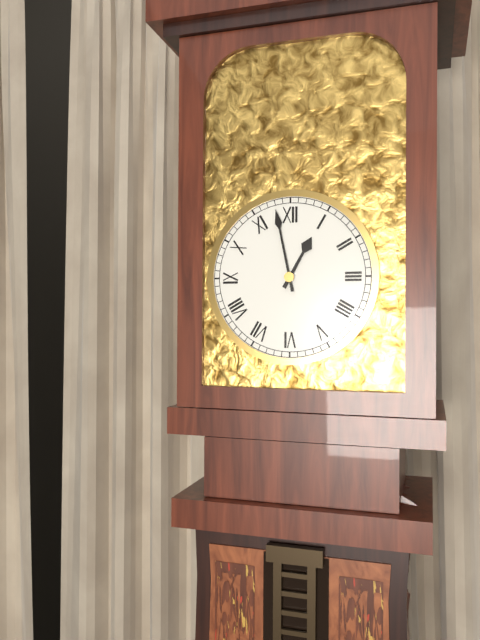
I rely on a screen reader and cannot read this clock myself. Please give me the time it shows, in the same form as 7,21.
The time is 12,58
